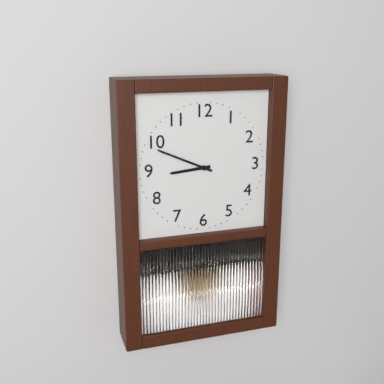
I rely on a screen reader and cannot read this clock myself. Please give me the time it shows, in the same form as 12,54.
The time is 8,49
